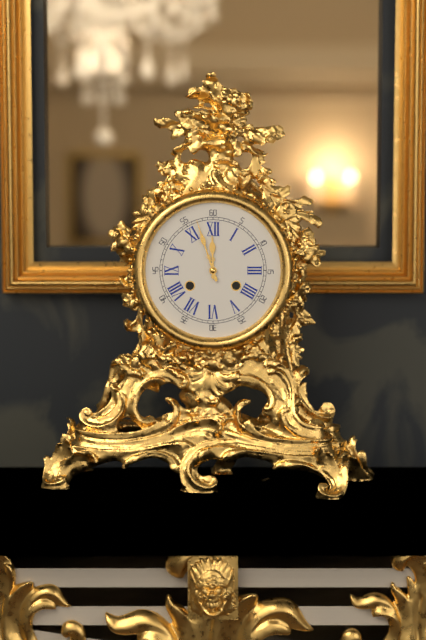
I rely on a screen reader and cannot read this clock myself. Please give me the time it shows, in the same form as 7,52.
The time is 11,57
